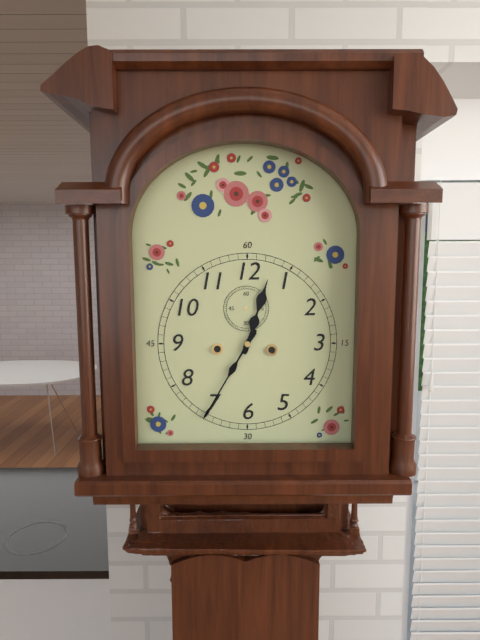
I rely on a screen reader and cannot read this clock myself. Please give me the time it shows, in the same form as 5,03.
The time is 12,35
